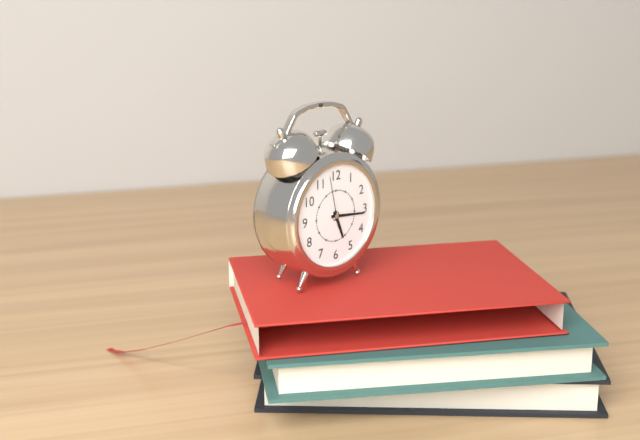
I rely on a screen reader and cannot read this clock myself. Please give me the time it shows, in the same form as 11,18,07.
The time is 5,16,58
